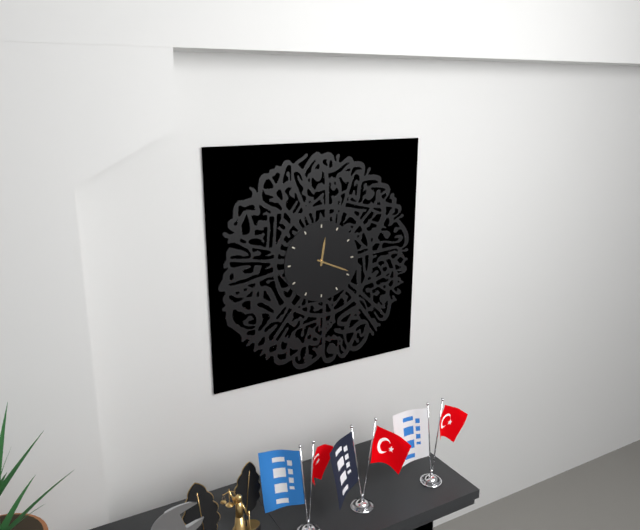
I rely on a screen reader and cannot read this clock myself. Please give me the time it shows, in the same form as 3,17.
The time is 12,19
